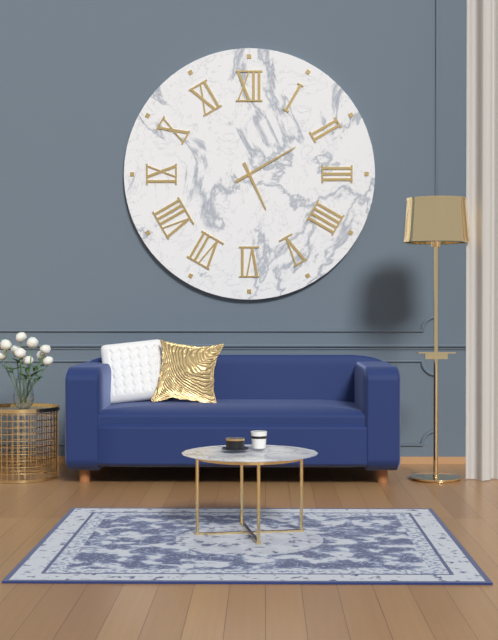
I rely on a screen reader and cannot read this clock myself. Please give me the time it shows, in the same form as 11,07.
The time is 5,10
